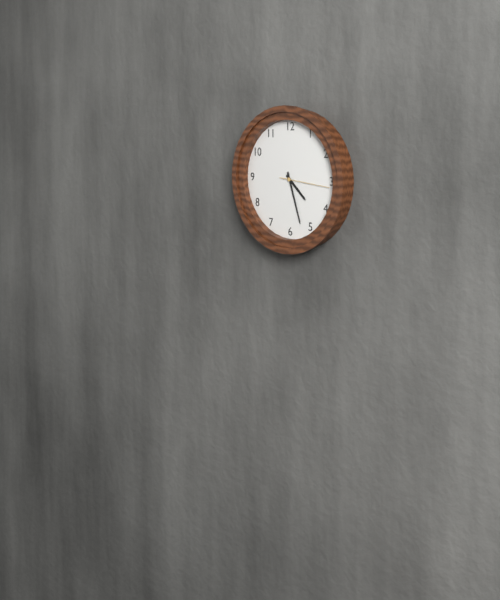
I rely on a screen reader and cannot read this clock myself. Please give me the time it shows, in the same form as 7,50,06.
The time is 4,27,16
